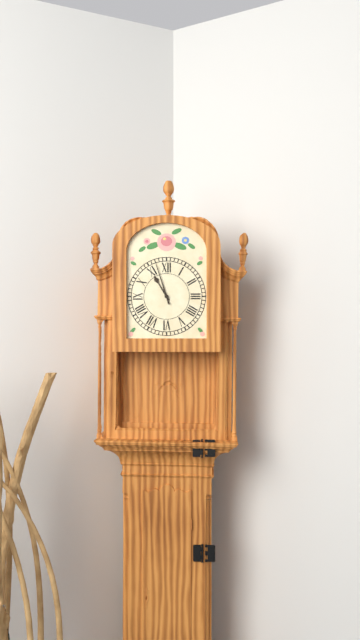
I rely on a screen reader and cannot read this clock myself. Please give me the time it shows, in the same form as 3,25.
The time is 10,57
